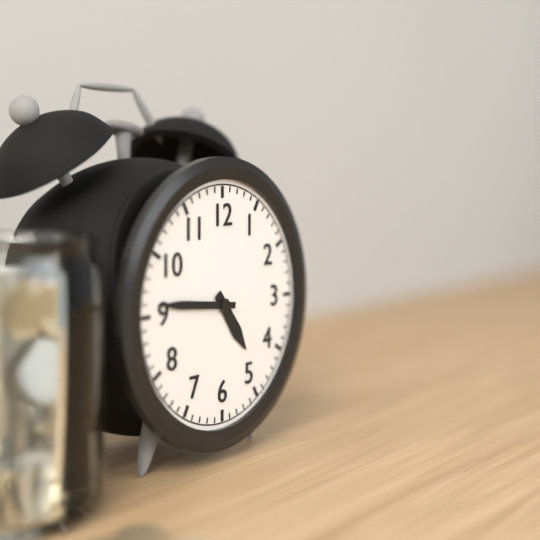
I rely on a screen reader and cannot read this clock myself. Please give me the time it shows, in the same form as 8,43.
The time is 4,46
